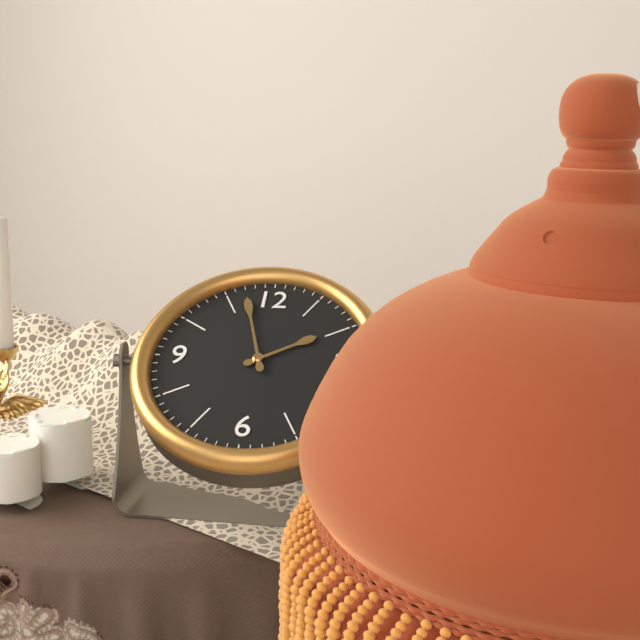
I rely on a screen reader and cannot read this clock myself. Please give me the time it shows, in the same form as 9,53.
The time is 1,57
